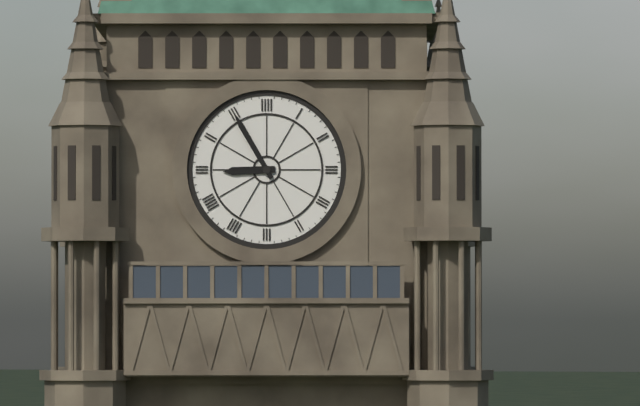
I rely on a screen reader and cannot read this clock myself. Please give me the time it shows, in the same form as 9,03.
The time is 8,55
